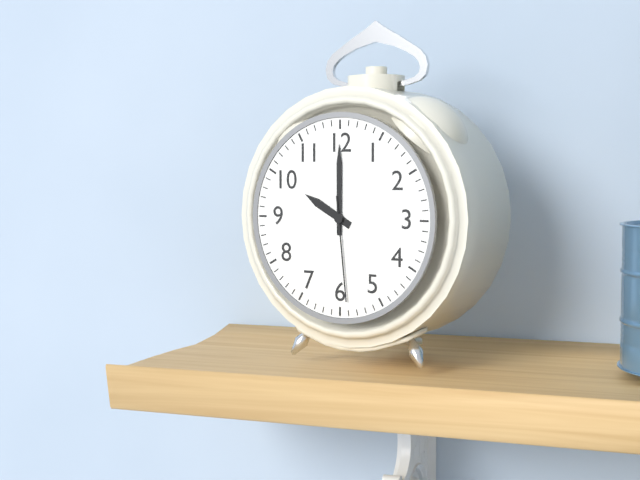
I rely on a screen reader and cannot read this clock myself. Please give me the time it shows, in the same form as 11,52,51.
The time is 10,00,29
